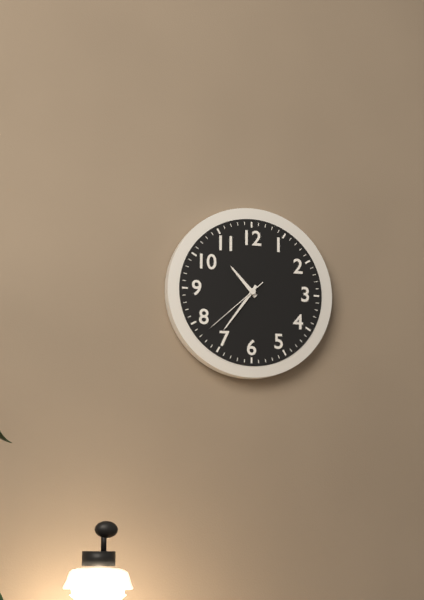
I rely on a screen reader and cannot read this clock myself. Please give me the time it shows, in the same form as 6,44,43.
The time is 10,36,38
